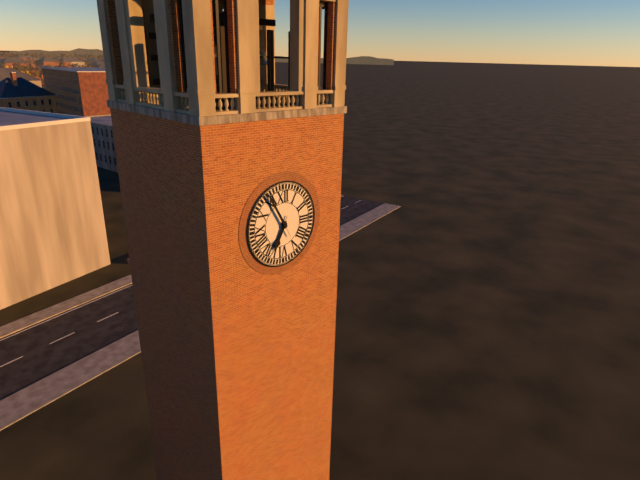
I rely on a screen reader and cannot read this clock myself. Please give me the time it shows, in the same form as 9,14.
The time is 6,55
